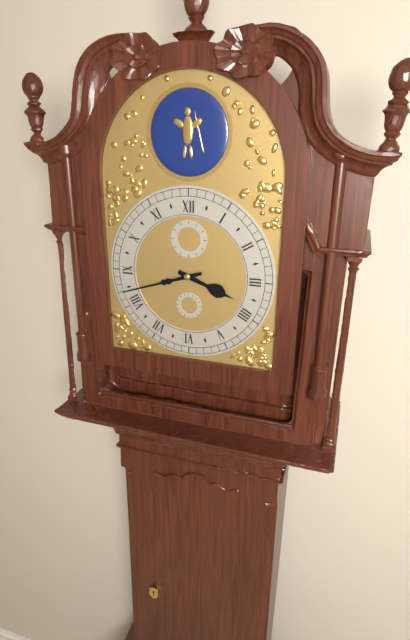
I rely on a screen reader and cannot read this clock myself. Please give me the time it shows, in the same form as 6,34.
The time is 3,42
